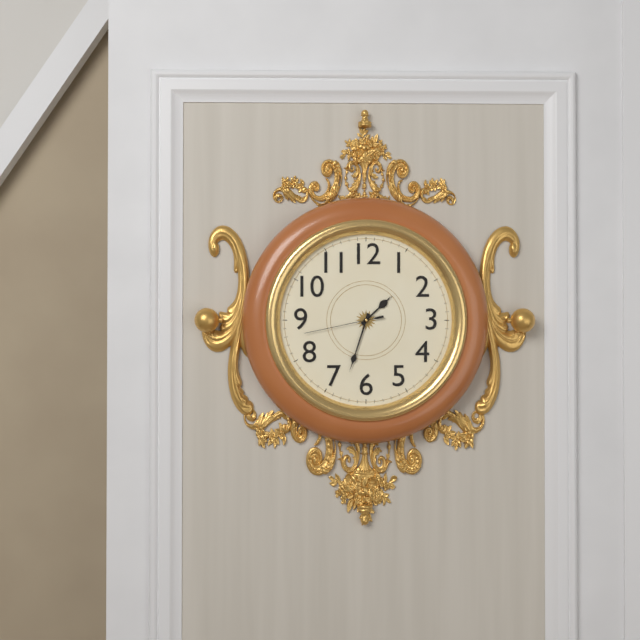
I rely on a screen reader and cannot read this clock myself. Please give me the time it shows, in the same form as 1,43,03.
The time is 1,33,43
